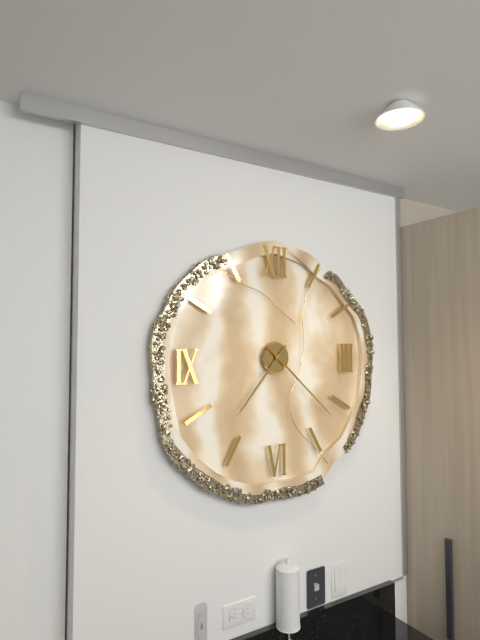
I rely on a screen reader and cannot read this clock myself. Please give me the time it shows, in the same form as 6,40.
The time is 7,22
